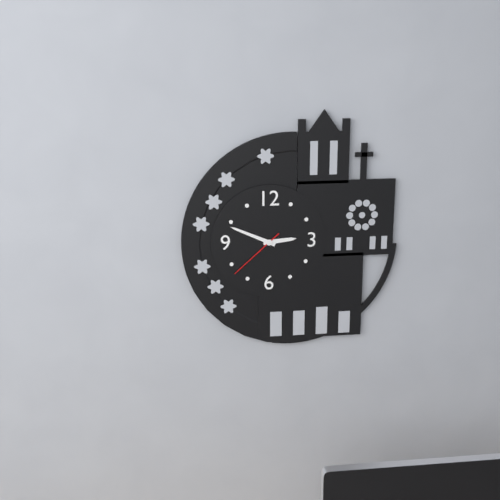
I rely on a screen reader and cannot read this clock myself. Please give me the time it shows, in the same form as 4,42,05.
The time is 2,49,38
